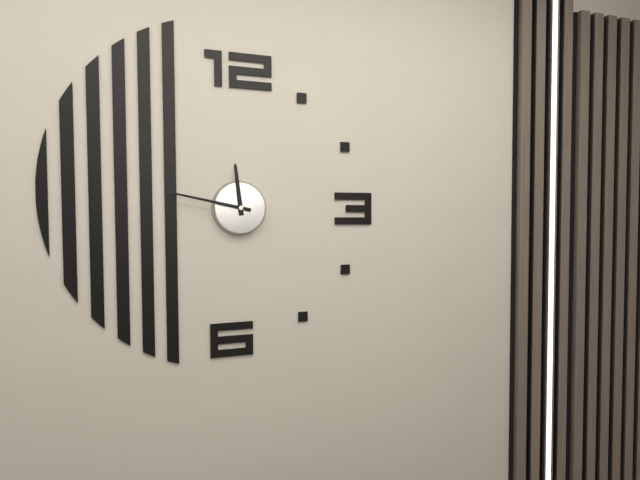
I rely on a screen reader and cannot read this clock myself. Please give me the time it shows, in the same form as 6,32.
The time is 11,47
